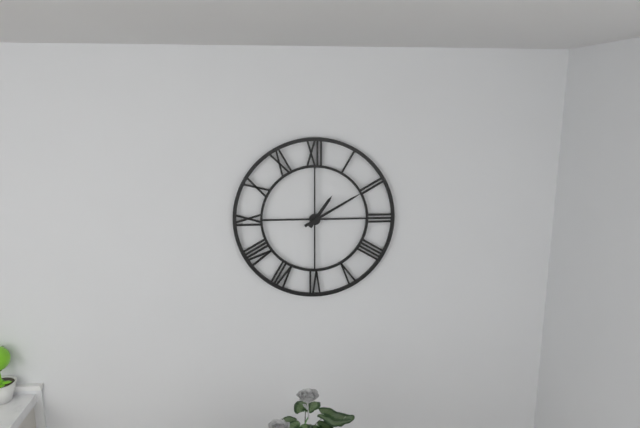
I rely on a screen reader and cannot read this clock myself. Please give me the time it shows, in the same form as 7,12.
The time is 1,10
